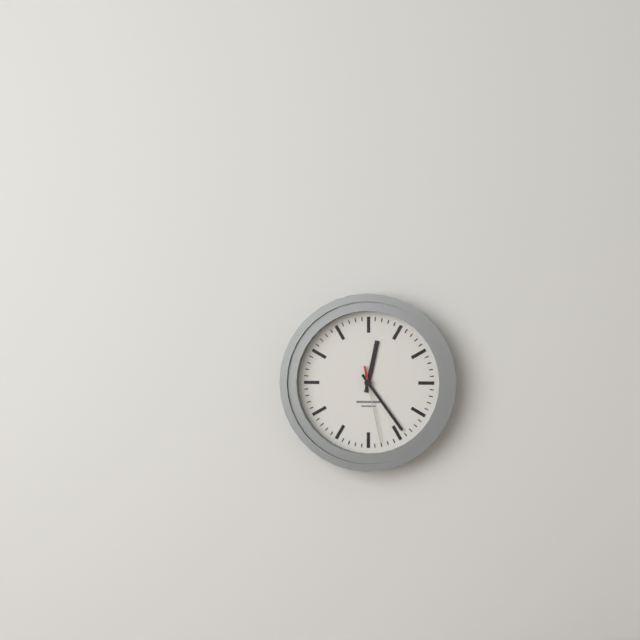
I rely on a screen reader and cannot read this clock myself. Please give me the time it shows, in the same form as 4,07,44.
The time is 12,24,28
